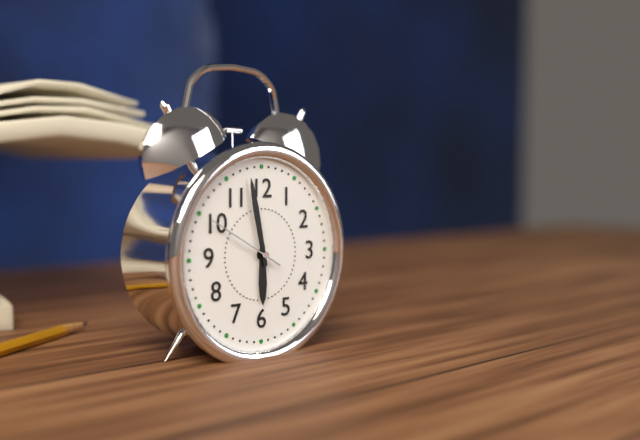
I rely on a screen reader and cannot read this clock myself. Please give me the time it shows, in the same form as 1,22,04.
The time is 5,58,50
